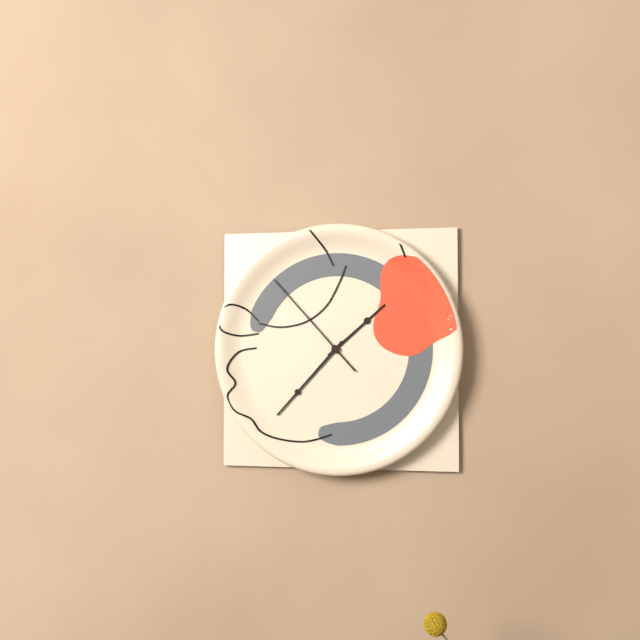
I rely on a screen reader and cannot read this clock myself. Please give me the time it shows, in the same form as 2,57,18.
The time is 1,37,53
